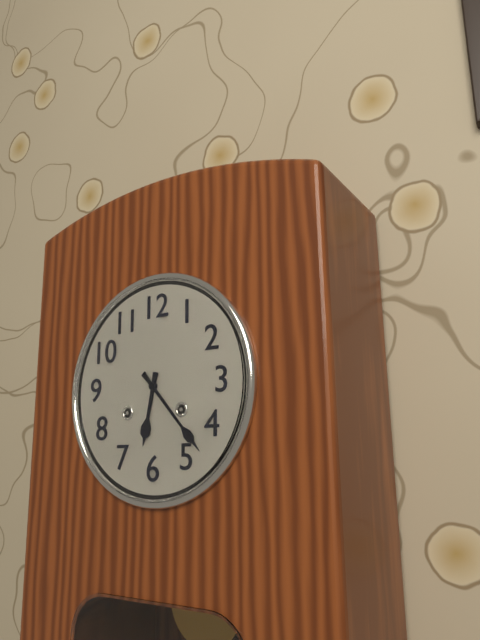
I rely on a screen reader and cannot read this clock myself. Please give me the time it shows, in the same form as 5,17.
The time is 6,23
